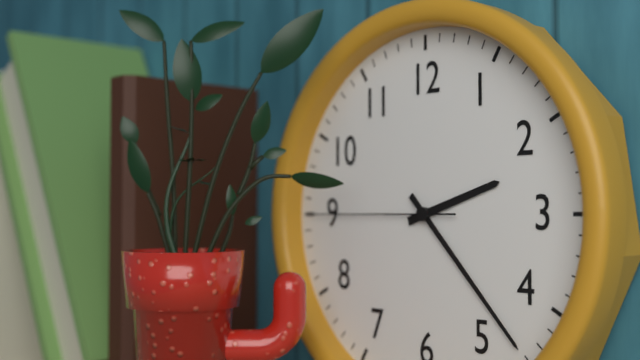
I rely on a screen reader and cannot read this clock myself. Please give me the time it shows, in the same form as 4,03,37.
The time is 2,23,45
